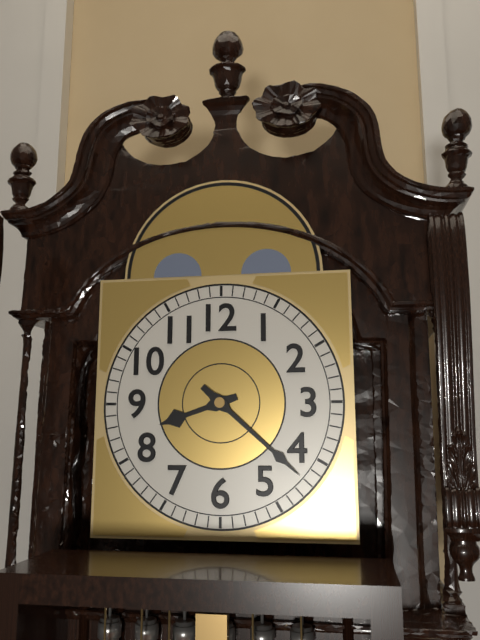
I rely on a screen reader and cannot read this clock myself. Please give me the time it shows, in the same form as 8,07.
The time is 8,22
